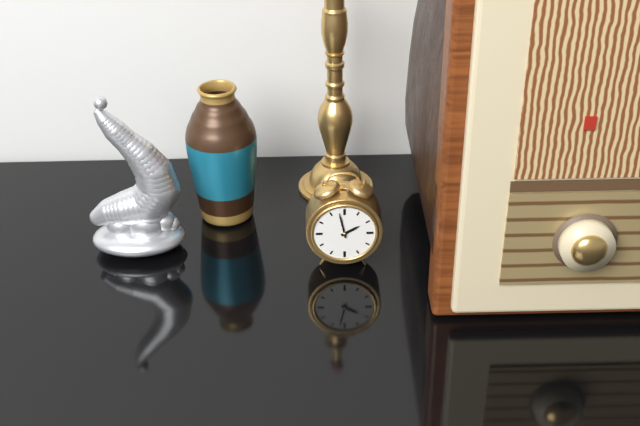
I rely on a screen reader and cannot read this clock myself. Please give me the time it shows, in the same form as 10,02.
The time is 1,58
